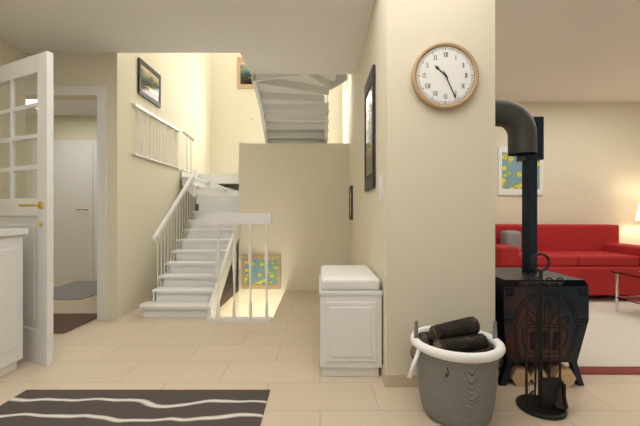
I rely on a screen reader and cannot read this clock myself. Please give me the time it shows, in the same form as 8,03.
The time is 10,26
